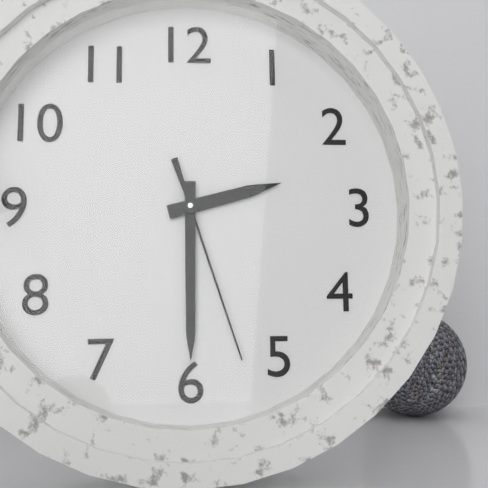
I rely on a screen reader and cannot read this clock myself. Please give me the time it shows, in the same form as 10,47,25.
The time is 2,30,27
